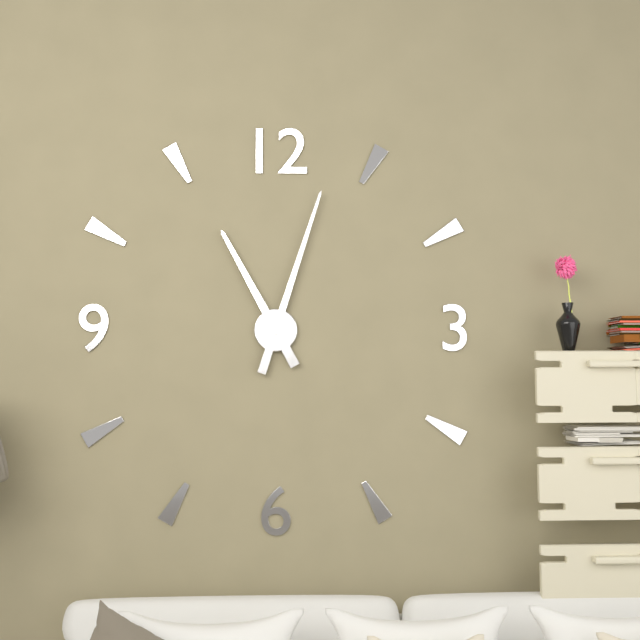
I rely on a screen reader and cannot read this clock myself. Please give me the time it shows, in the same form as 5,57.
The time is 11,03
